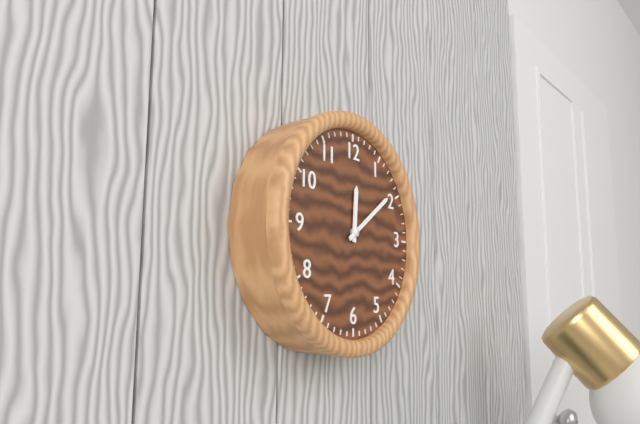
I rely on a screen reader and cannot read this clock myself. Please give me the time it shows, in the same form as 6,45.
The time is 12,09
